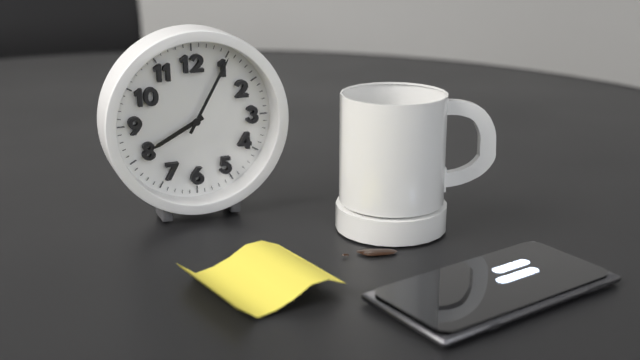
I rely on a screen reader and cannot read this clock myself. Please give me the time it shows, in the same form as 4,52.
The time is 8,05
